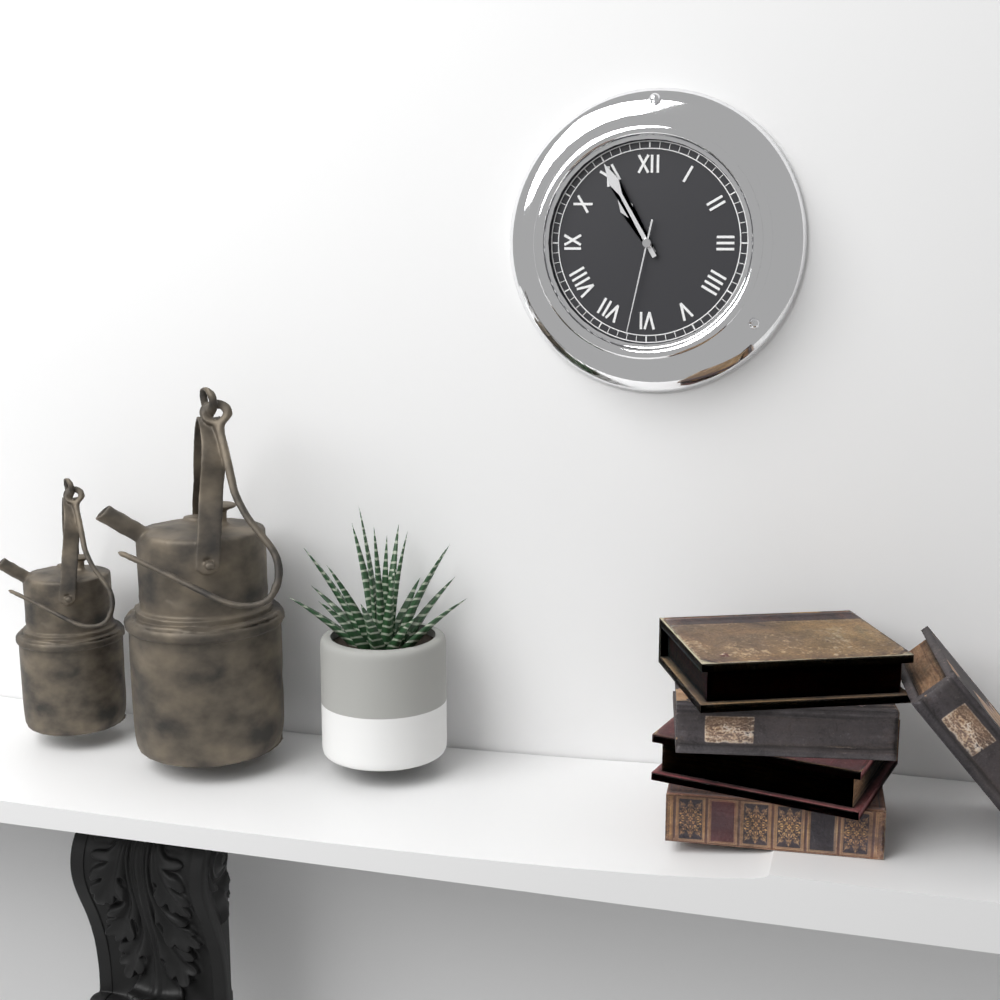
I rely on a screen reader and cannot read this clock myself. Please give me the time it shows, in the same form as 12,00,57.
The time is 10,55,32
